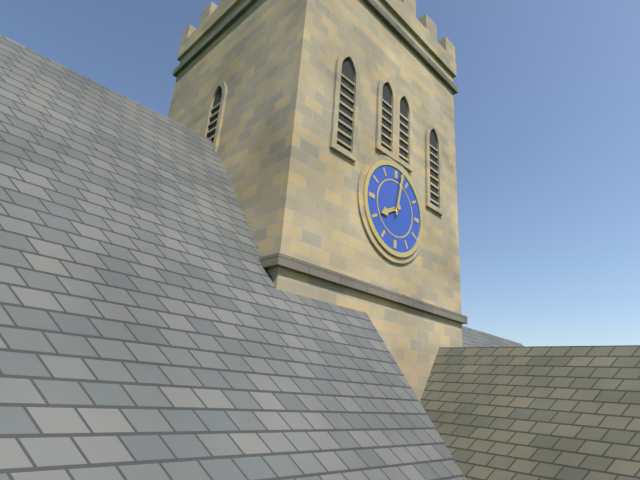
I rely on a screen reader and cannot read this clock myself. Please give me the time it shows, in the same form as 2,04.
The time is 8,02
